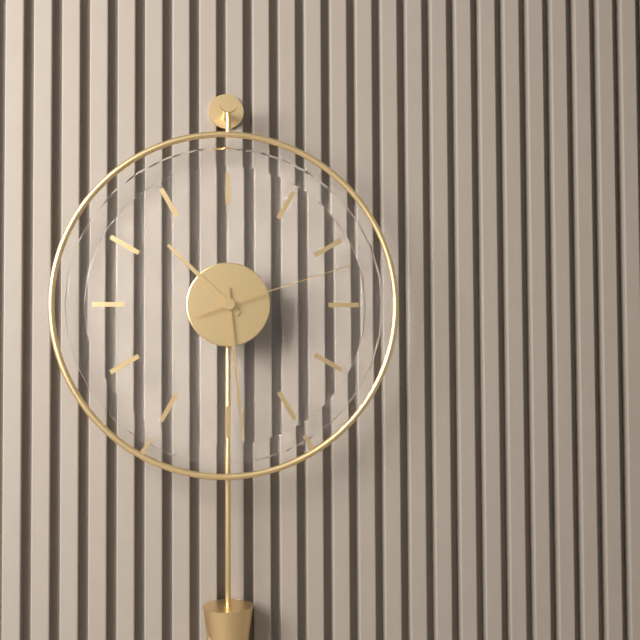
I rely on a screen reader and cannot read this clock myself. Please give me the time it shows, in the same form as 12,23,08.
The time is 10,29,12
